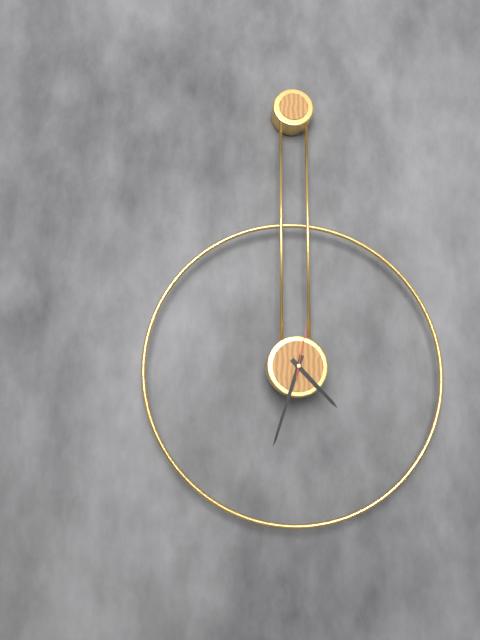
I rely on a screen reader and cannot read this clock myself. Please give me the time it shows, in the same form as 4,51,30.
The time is 4,33,02
